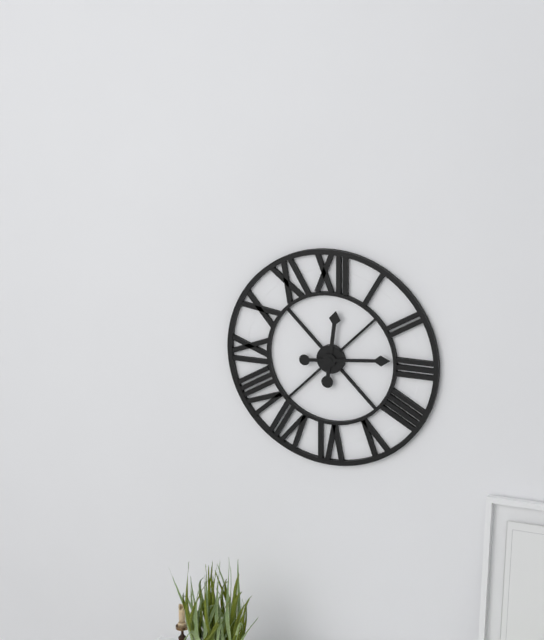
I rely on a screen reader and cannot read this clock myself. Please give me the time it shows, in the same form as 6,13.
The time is 12,14
